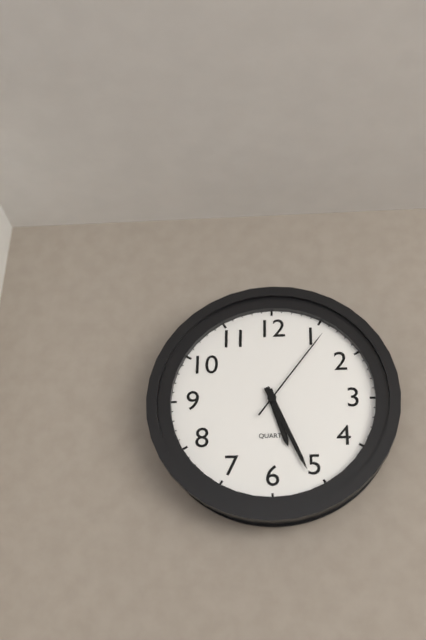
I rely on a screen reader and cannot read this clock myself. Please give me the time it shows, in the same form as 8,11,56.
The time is 5,26,06
